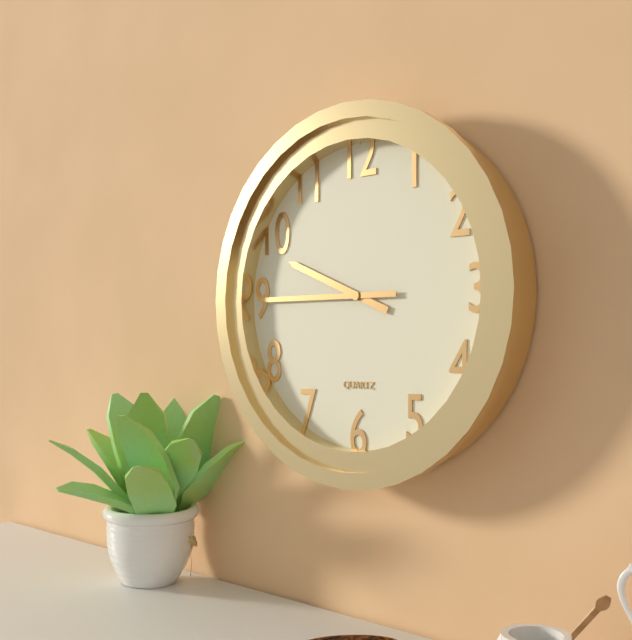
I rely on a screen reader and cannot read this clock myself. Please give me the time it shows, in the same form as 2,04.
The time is 9,45
